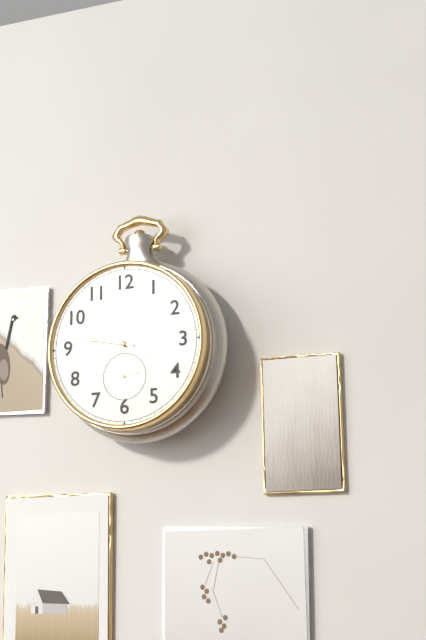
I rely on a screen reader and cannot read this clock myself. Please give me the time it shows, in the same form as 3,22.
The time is 3,47
